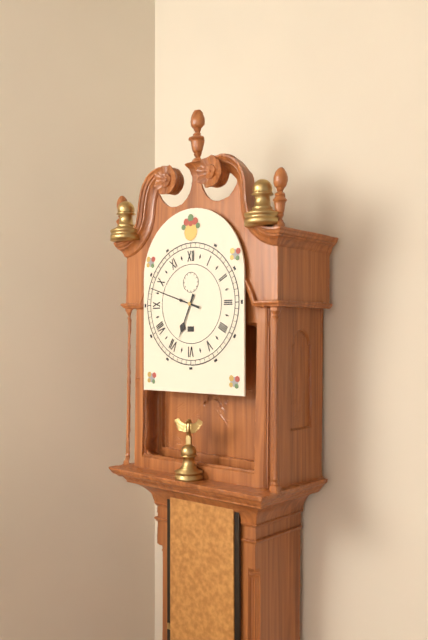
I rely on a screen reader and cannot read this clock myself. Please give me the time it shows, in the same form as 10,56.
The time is 6,48
